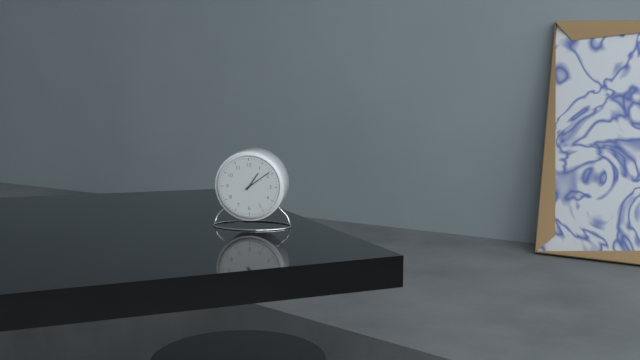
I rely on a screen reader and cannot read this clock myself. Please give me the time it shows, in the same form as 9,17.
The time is 1,09
